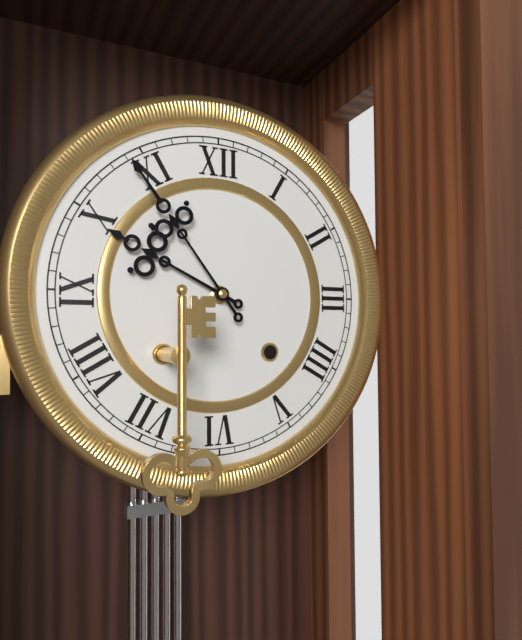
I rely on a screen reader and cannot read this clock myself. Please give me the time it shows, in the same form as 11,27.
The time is 9,54
